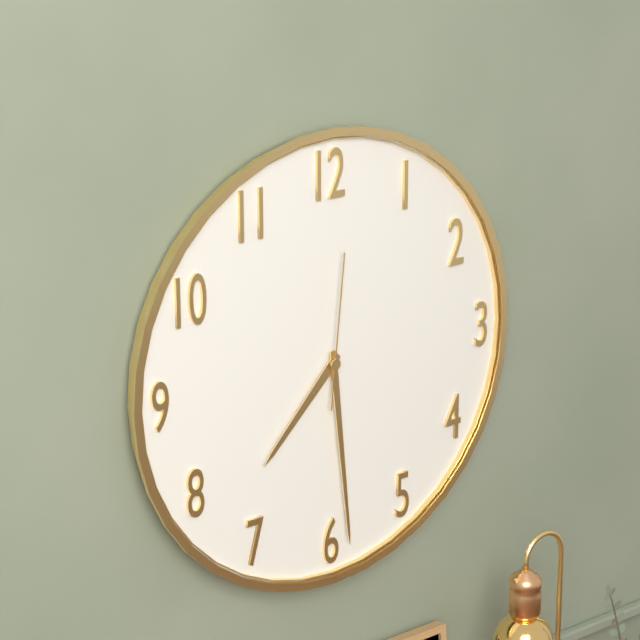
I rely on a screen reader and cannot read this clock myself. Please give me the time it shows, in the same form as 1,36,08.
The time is 7,29,01
